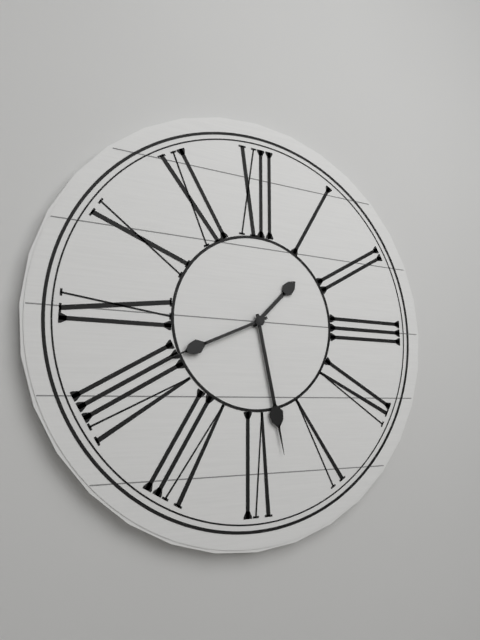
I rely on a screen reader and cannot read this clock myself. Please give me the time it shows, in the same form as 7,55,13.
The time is 1,28,41
